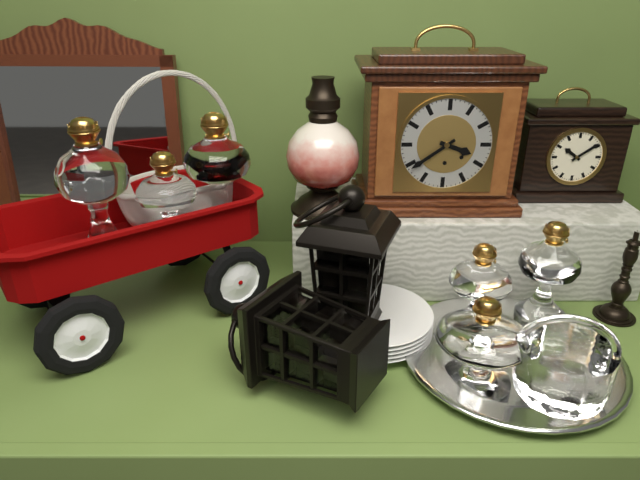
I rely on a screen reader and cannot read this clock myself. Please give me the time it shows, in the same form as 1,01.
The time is 3,39
